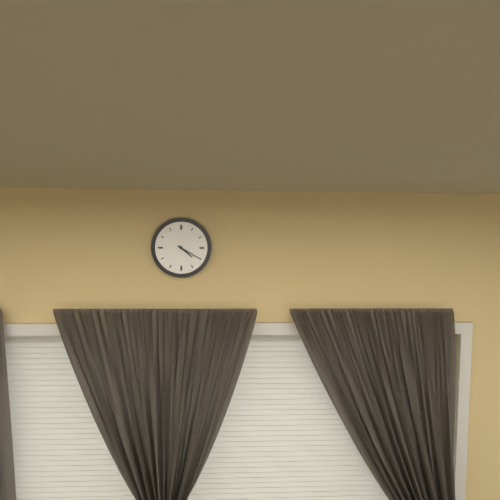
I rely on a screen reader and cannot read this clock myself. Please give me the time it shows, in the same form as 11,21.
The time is 4,20
